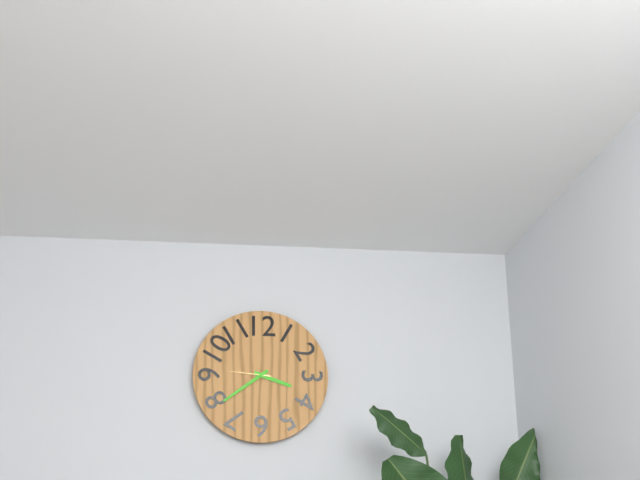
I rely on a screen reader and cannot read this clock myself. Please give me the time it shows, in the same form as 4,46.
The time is 3,39
